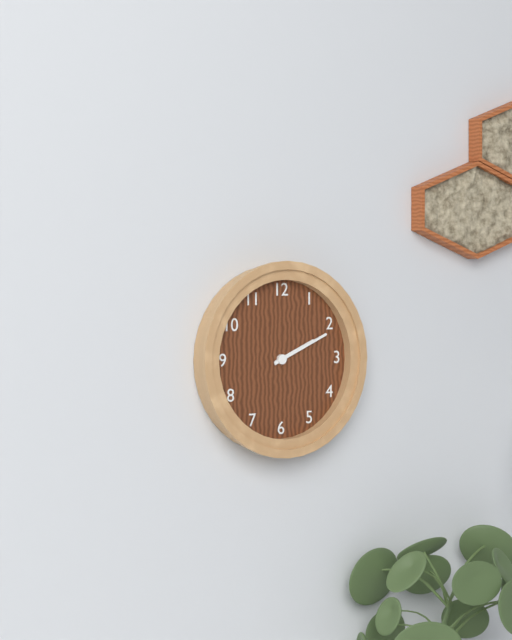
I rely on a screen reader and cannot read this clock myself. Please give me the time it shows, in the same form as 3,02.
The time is 2,11
